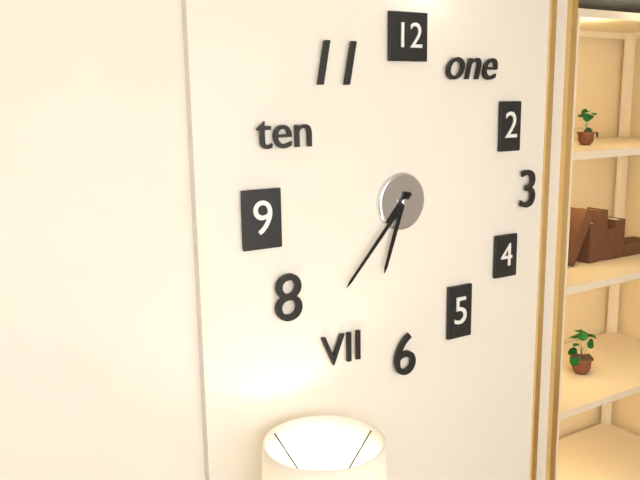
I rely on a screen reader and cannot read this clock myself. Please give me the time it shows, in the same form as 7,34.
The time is 6,37
